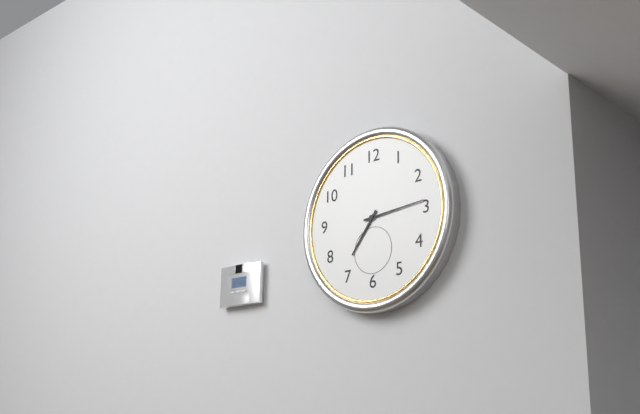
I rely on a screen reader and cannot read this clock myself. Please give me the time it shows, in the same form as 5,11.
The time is 7,14
